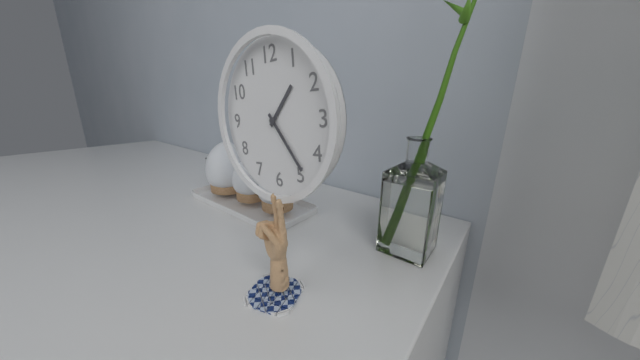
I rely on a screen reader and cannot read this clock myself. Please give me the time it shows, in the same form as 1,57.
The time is 1,24
